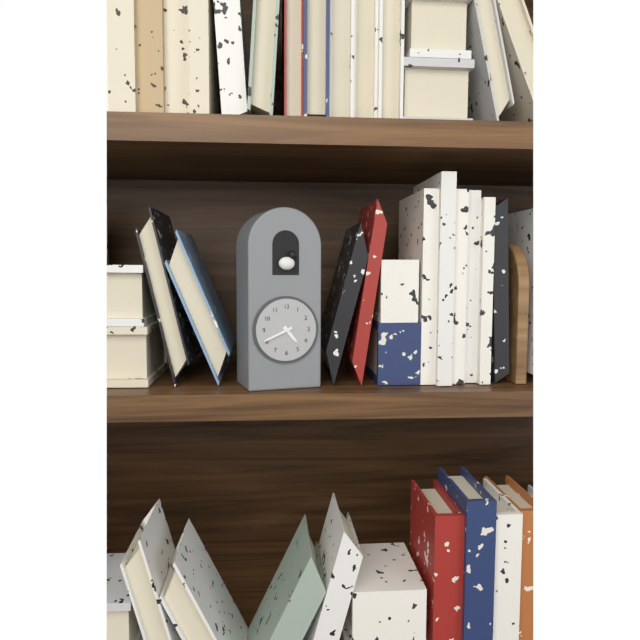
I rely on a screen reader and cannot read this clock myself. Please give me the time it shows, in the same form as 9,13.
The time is 4,41
